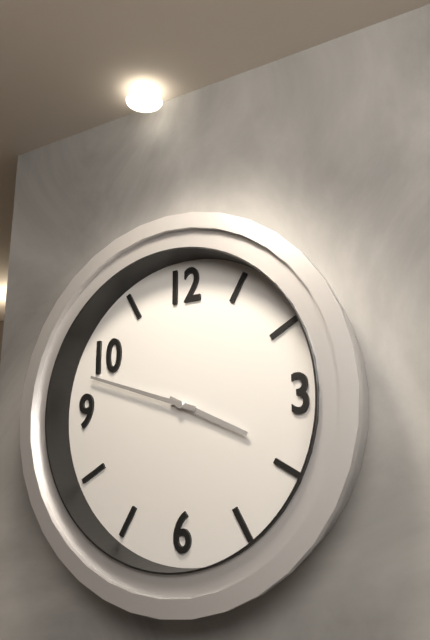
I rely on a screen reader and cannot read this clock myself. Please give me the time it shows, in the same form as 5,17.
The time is 3,48
